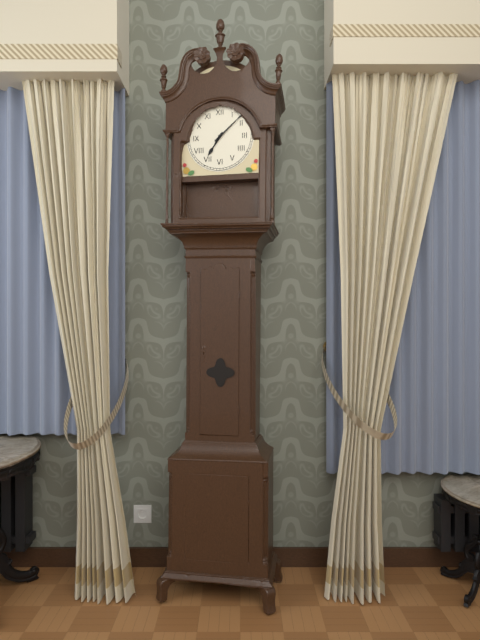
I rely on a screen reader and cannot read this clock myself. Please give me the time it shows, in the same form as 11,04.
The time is 7,08
